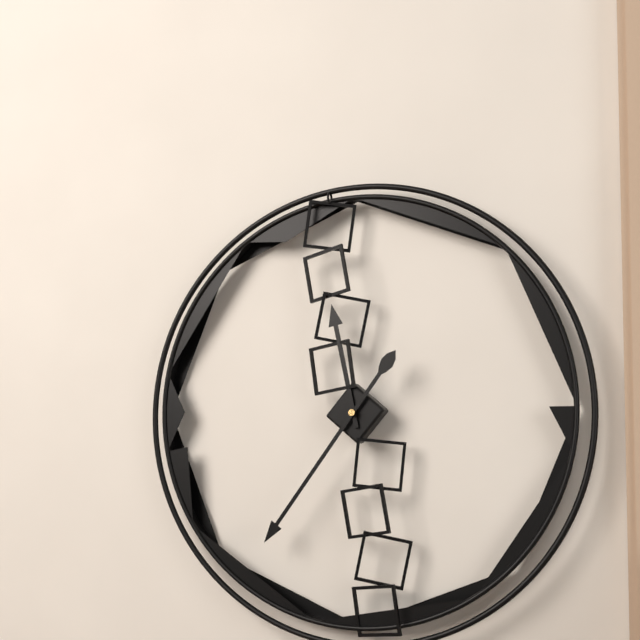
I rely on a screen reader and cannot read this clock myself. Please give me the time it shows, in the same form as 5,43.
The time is 11,36
